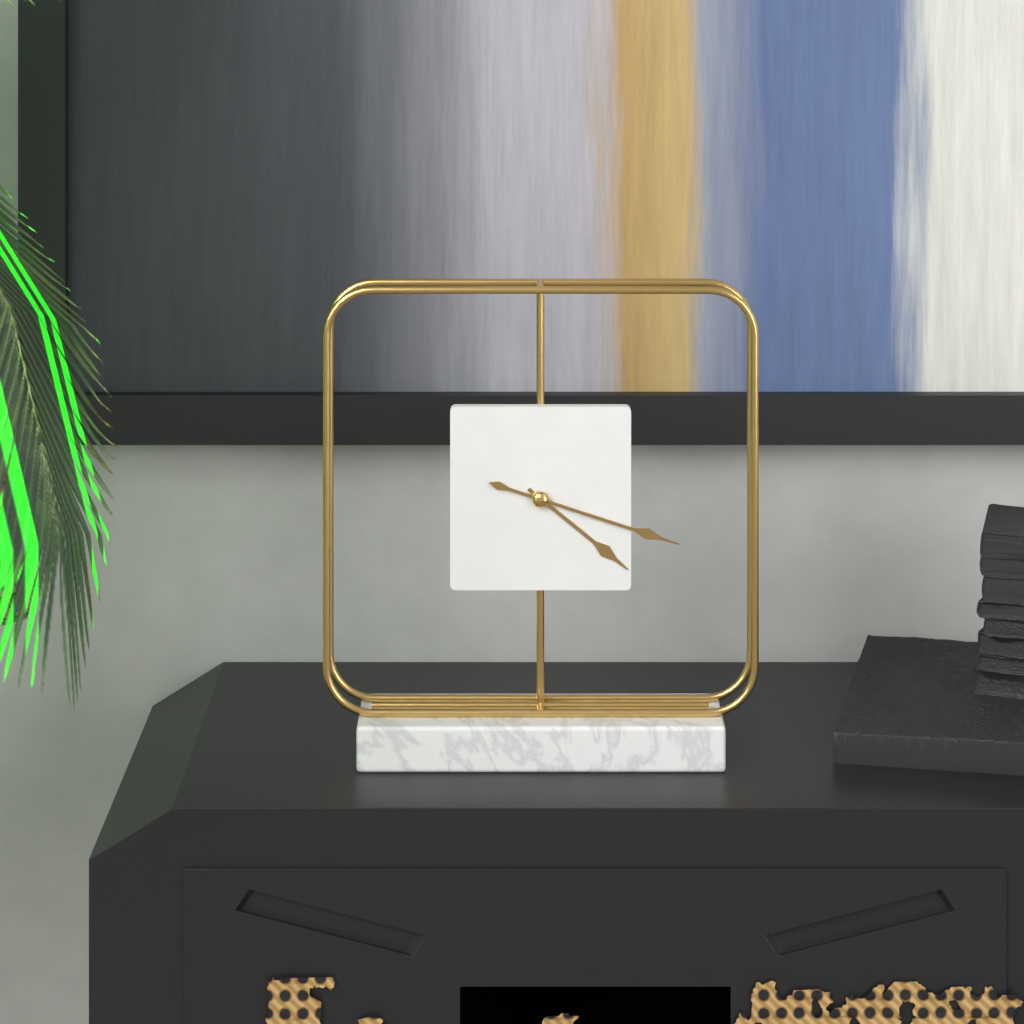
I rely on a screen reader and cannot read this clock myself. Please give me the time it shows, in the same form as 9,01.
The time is 4,18
